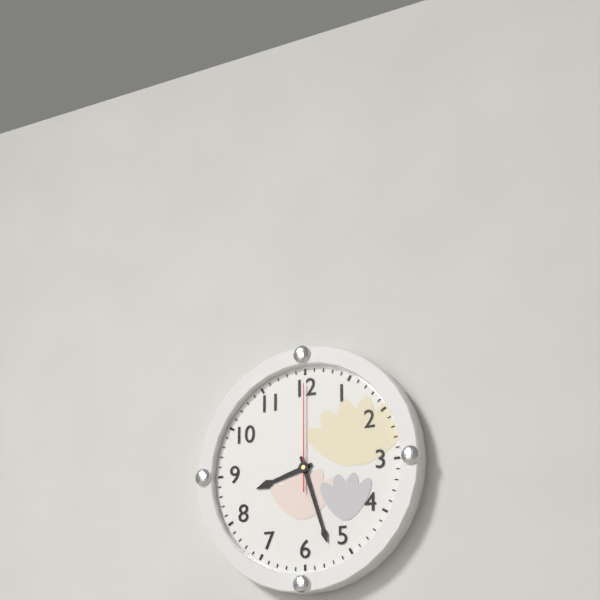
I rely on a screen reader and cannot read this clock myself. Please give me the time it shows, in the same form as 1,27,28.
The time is 8,27,00
